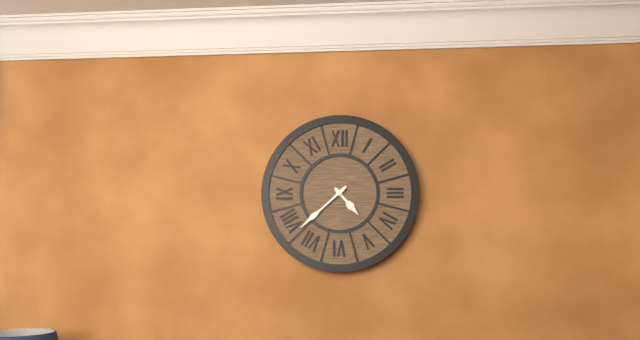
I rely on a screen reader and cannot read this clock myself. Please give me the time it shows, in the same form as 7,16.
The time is 4,38
